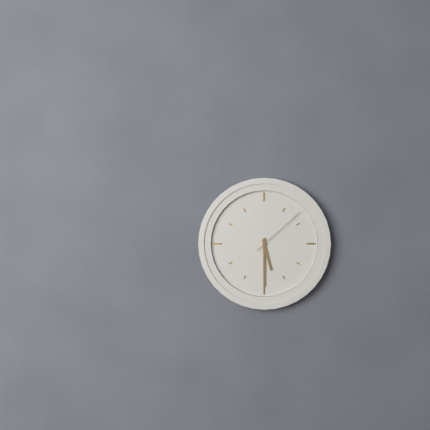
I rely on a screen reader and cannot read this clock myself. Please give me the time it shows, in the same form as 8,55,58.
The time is 5,30,08
